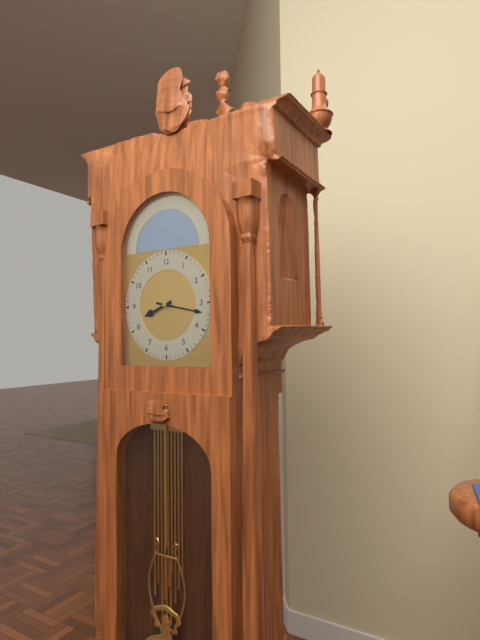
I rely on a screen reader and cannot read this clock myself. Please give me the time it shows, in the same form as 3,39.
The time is 8,17
